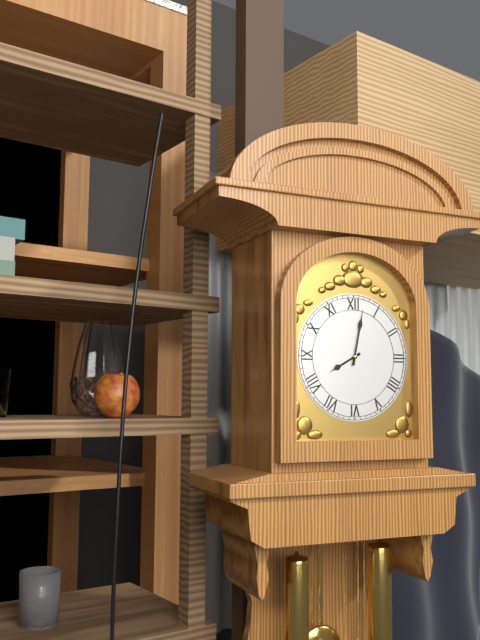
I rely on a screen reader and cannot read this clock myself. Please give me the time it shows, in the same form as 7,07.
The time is 8,02
